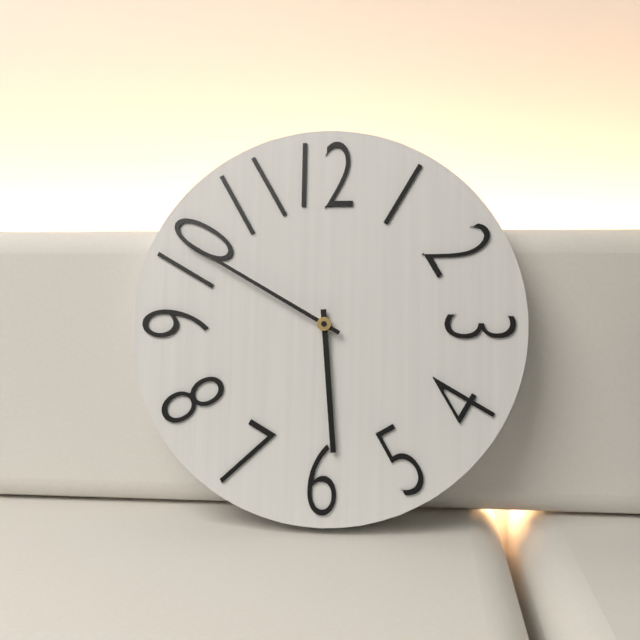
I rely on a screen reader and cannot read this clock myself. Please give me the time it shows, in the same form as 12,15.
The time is 5,50
